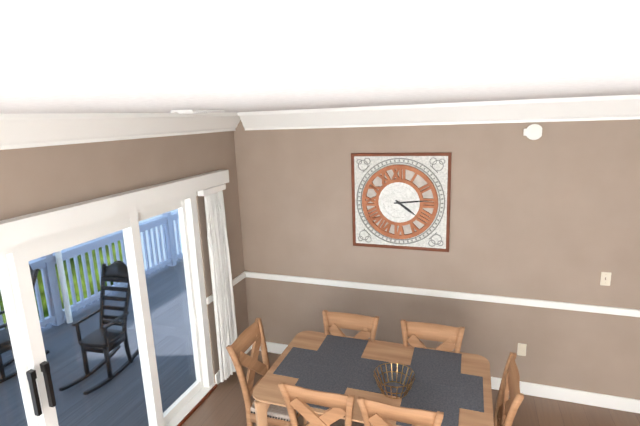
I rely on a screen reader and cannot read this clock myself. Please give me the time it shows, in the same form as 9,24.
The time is 4,14
